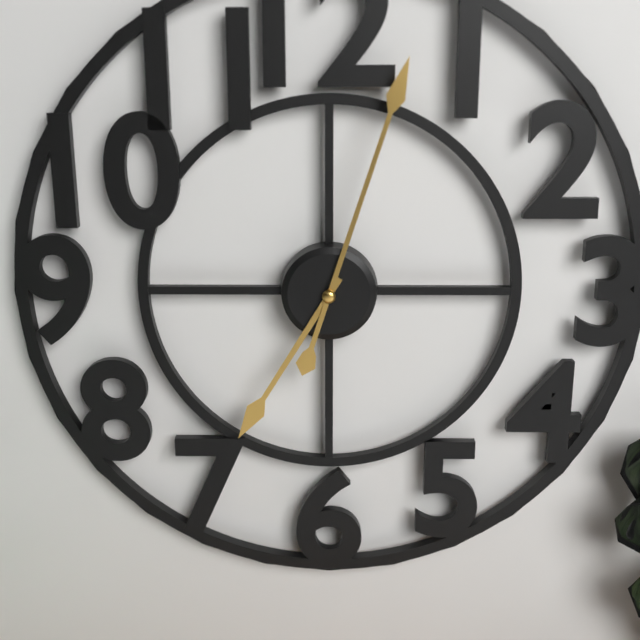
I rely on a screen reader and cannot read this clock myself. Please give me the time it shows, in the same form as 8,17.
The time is 7,03
